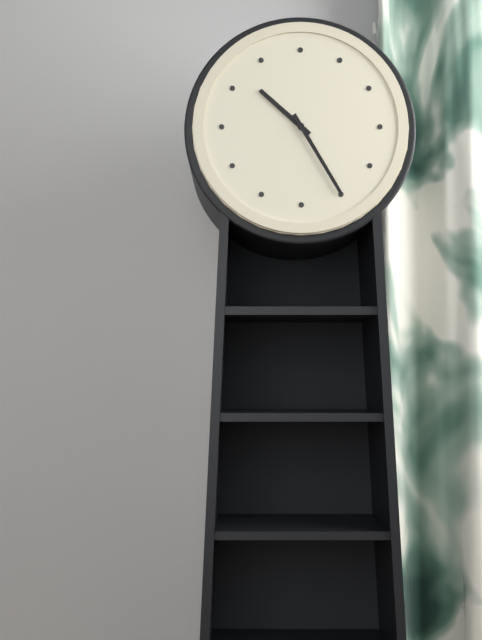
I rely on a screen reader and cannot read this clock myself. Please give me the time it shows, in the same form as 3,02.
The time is 10,25
